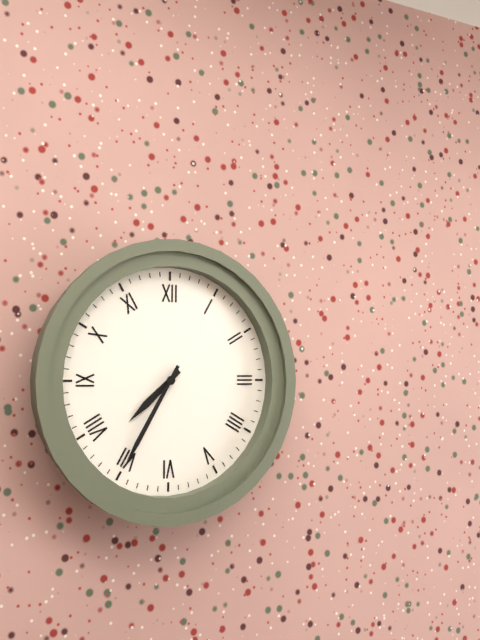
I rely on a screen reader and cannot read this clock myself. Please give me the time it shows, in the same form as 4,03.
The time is 7,35
